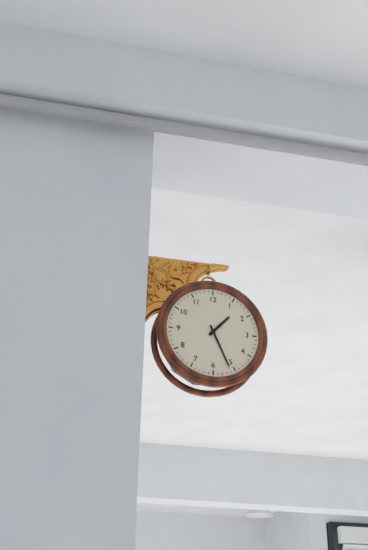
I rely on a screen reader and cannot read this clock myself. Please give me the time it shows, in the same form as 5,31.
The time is 1,26
